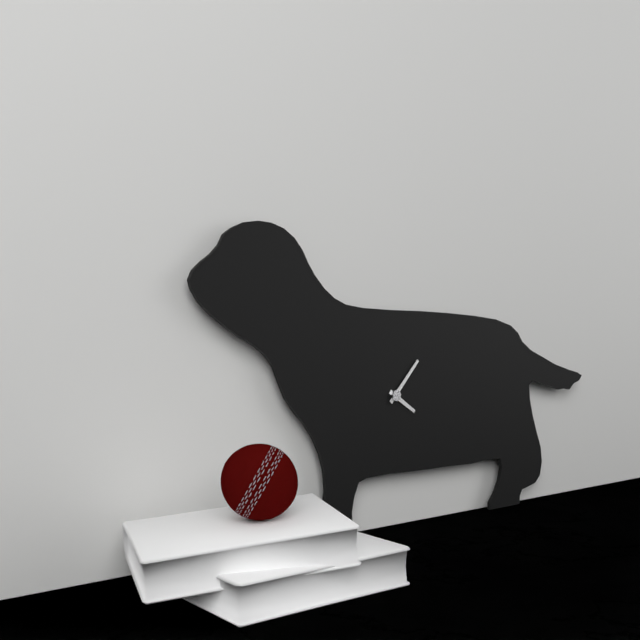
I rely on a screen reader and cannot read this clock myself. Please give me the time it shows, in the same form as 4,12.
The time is 4,07
